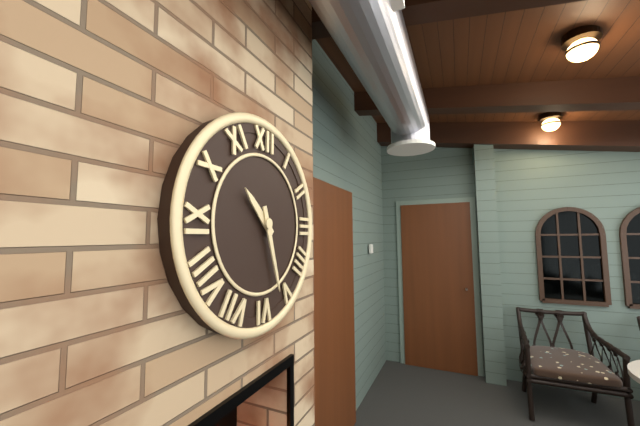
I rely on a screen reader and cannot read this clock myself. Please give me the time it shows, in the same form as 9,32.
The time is 10,27
